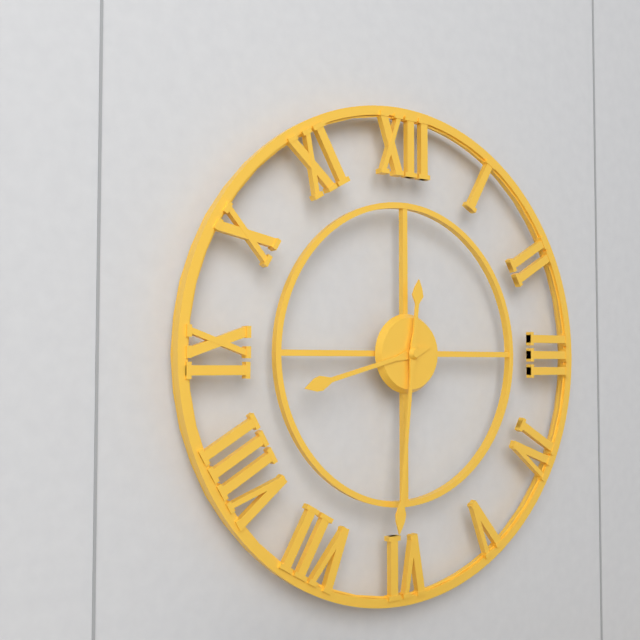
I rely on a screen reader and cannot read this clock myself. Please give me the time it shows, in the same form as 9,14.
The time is 8,31
